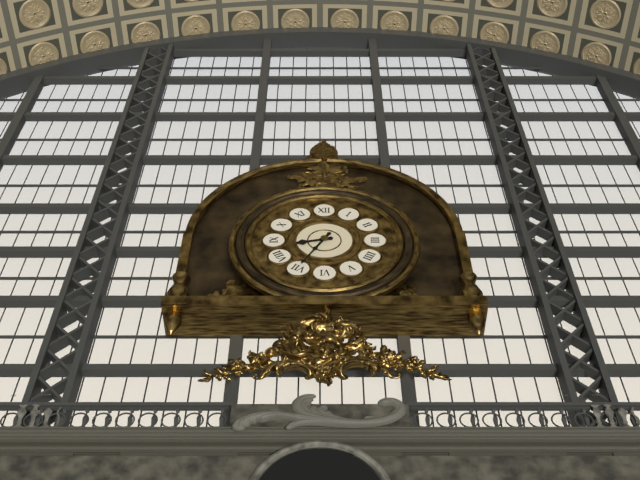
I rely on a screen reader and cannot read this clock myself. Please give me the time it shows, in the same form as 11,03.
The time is 8,35
